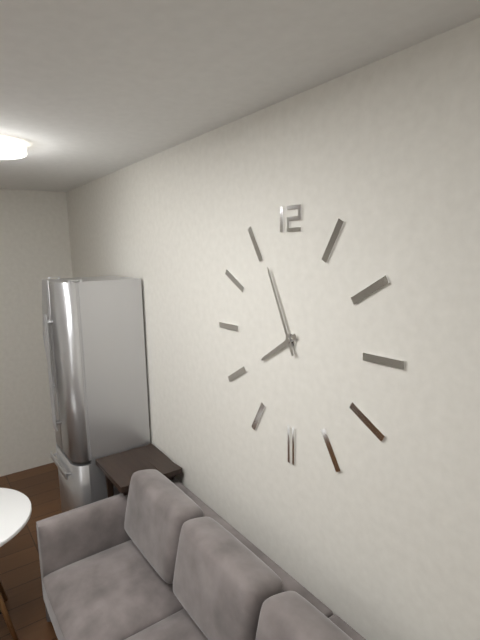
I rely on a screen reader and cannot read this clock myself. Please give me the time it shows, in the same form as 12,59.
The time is 7,56
